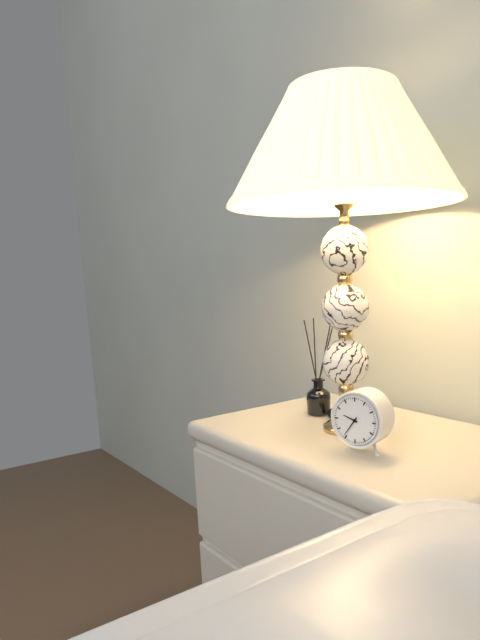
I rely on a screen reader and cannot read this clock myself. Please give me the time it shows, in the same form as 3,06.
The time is 9,36
